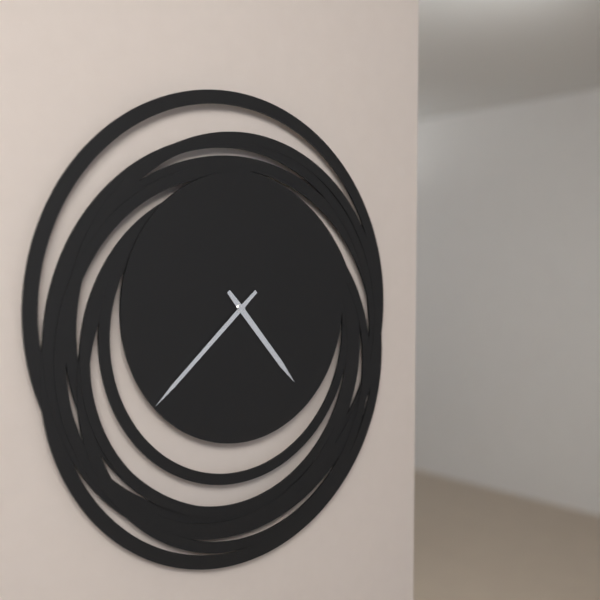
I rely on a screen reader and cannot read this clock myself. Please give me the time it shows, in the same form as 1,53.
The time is 4,38
